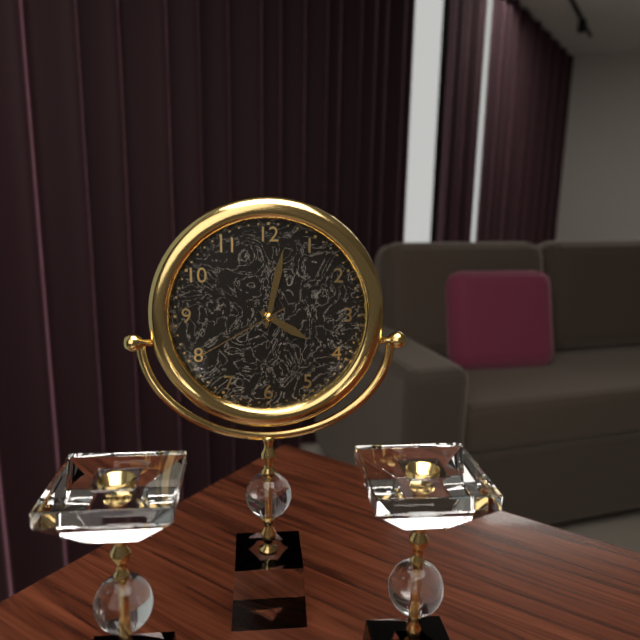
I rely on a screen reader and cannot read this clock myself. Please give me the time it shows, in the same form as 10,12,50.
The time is 4,02,40
